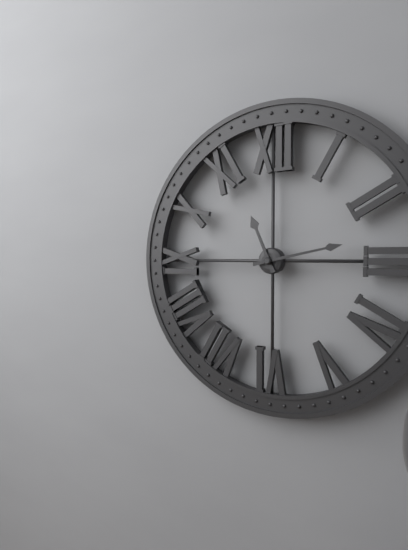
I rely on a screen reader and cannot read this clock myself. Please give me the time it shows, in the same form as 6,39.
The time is 11,13
